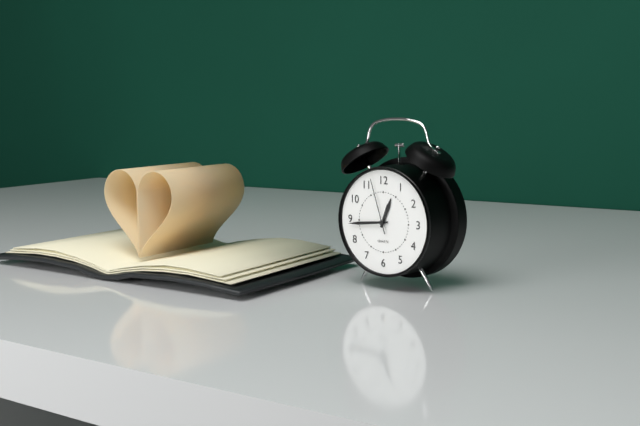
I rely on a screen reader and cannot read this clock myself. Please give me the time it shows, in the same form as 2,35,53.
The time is 12,44,57
